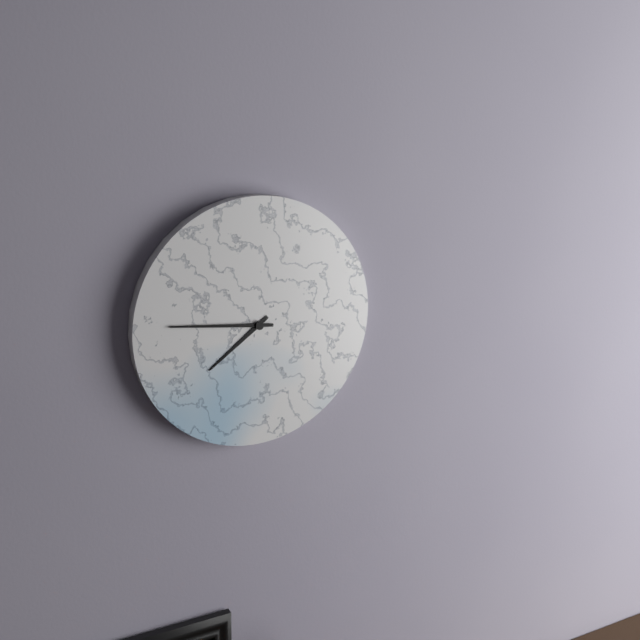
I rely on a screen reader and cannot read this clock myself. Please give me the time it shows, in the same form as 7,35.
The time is 7,46
